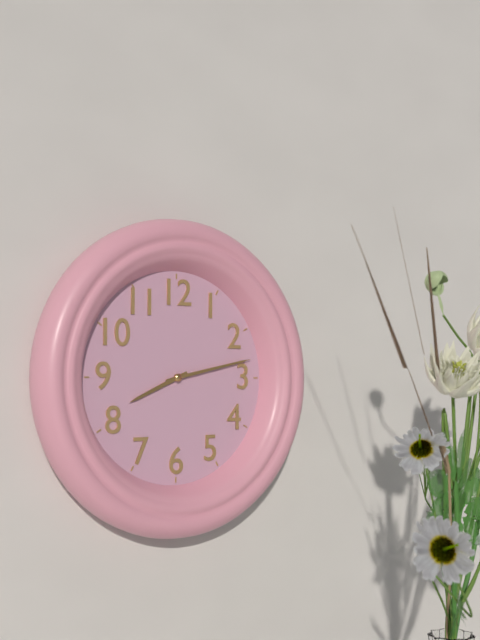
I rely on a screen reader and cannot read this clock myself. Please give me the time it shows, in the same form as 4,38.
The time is 8,13
